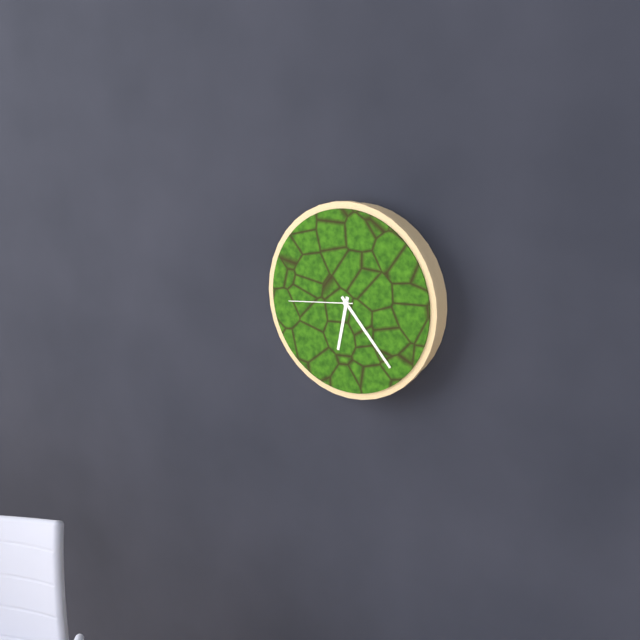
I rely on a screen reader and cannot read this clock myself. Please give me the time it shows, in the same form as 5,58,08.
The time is 6,23,44
